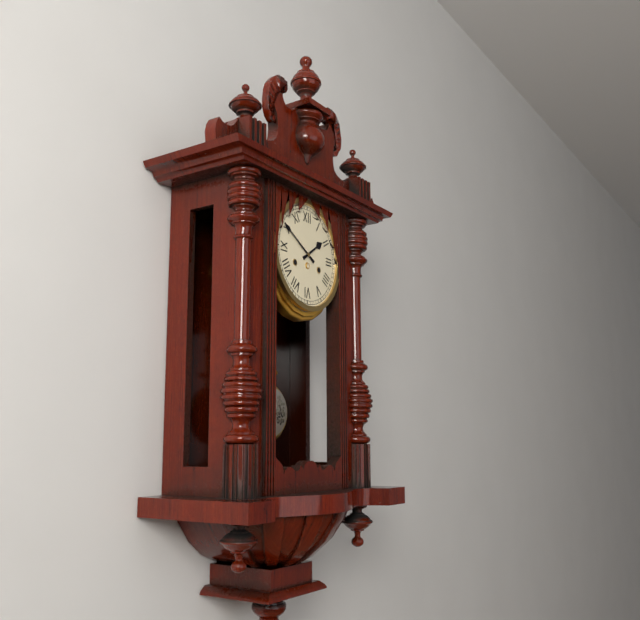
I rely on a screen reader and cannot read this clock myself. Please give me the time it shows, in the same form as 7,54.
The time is 1,50
